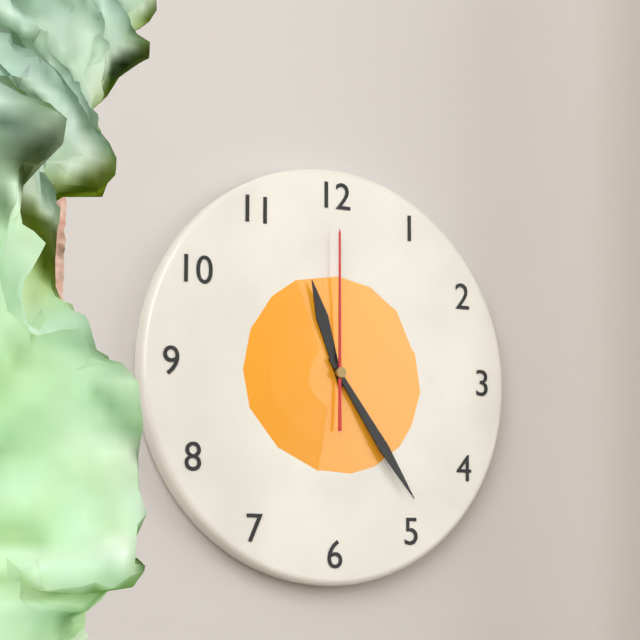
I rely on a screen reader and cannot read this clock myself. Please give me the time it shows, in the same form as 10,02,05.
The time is 11,24,00
